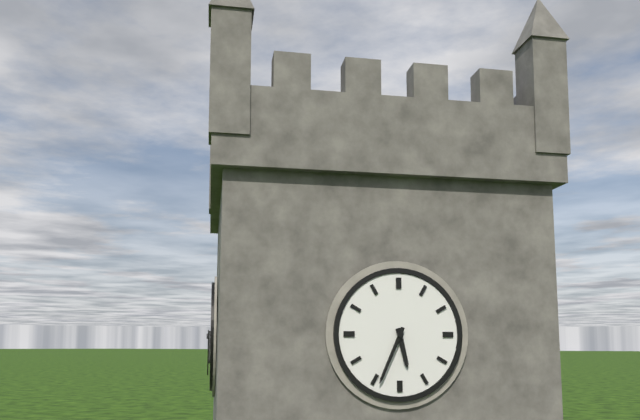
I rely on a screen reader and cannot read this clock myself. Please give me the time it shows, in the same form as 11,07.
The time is 5,34
